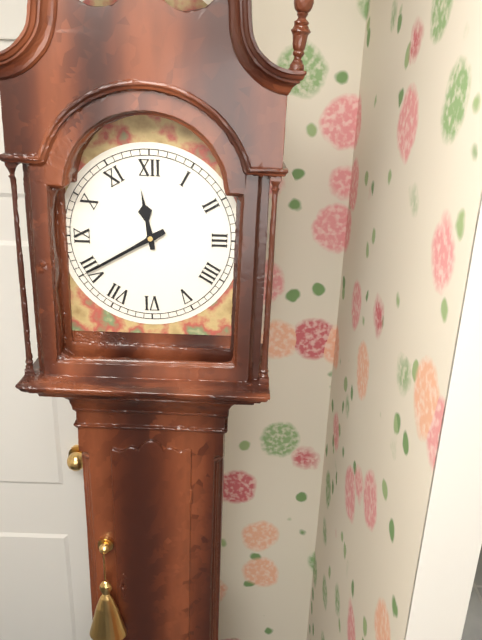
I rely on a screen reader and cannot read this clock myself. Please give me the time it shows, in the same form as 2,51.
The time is 11,40
